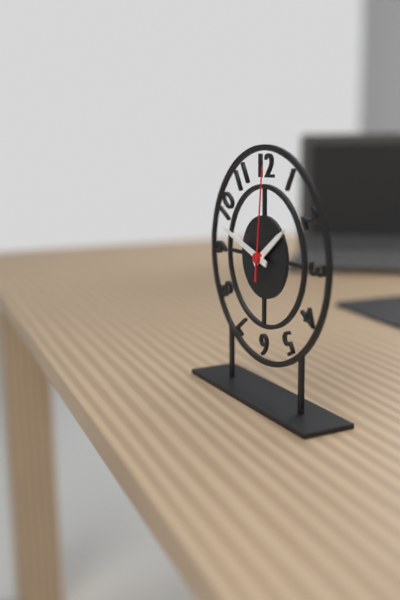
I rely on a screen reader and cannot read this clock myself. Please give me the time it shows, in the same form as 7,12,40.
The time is 1,48,01
